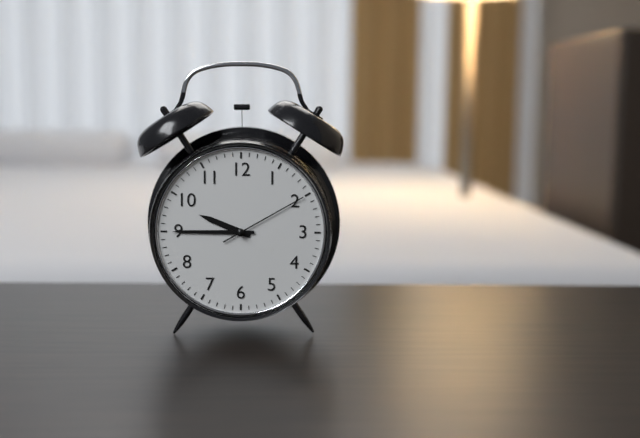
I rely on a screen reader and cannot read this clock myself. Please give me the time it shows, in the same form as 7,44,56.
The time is 9,45,10
